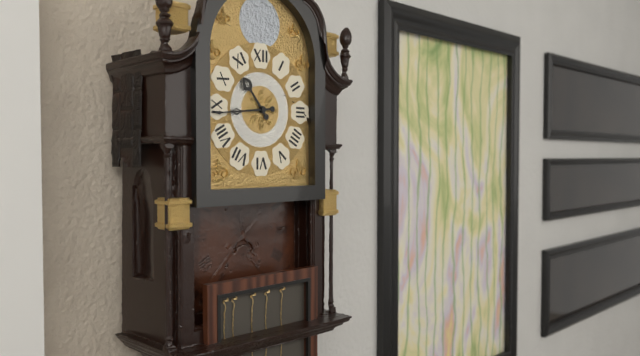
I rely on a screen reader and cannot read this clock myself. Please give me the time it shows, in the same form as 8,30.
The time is 10,44
